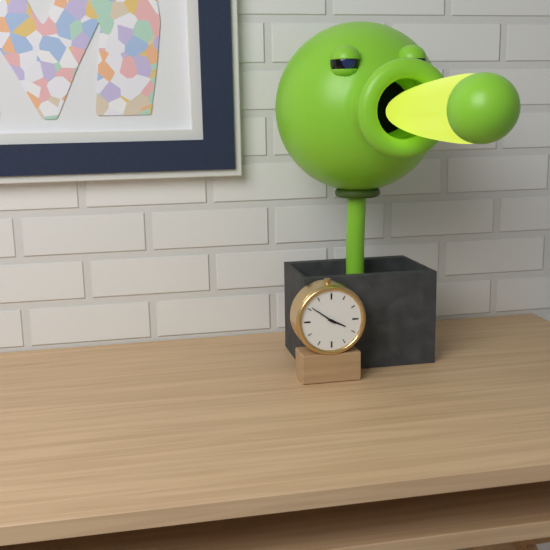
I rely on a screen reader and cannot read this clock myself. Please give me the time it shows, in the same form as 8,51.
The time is 3,51
